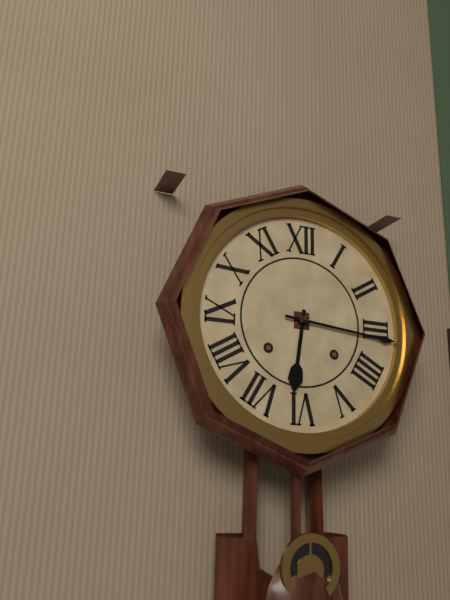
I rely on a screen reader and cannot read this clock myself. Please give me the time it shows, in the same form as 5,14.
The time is 6,16
